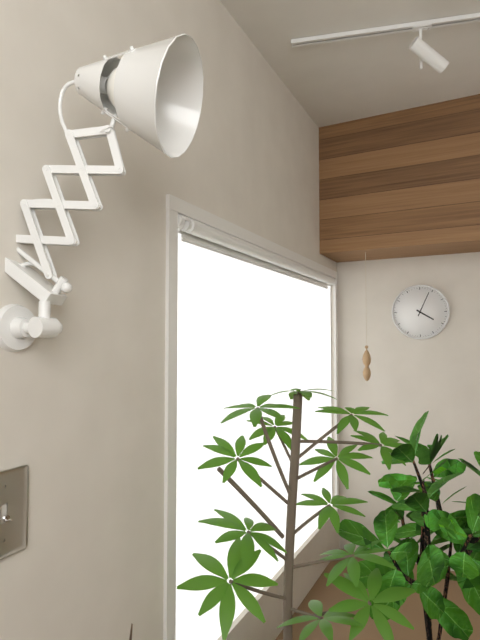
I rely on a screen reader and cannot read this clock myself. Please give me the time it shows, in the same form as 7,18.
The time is 4,04
